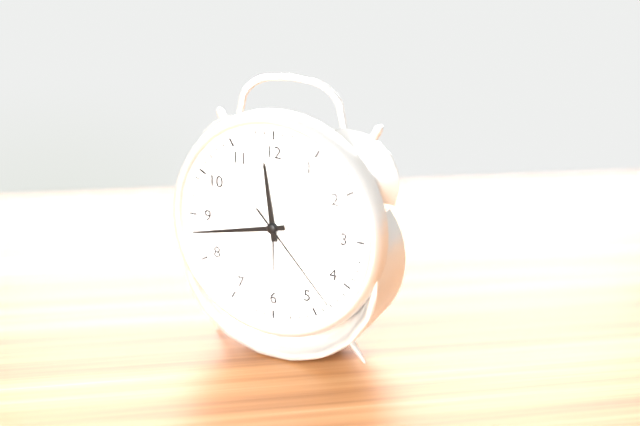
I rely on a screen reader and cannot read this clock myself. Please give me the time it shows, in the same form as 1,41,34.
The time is 11,43,23
